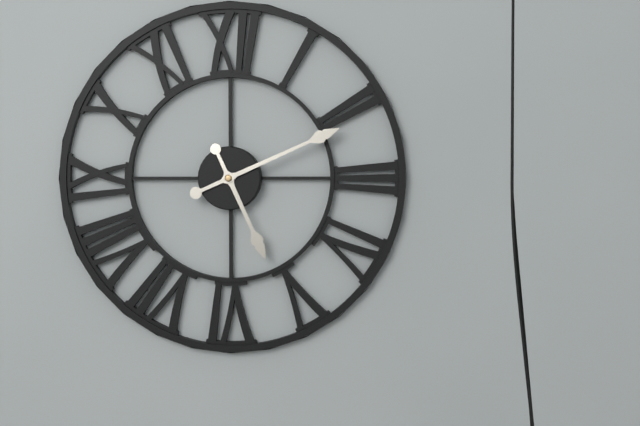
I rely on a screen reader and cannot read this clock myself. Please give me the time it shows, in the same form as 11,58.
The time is 5,11
